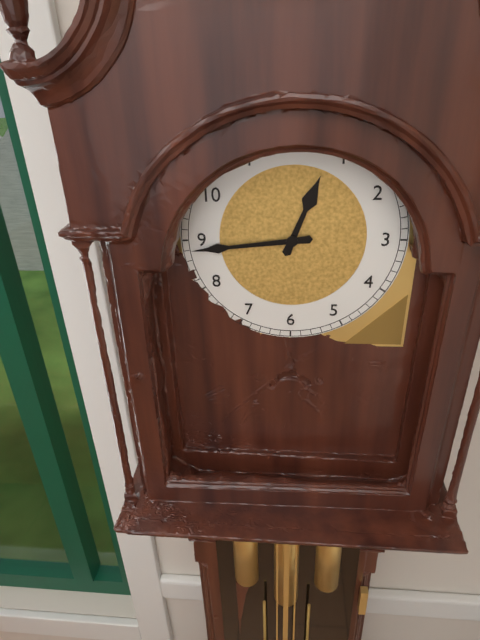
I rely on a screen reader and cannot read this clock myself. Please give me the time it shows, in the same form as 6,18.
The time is 12,44
